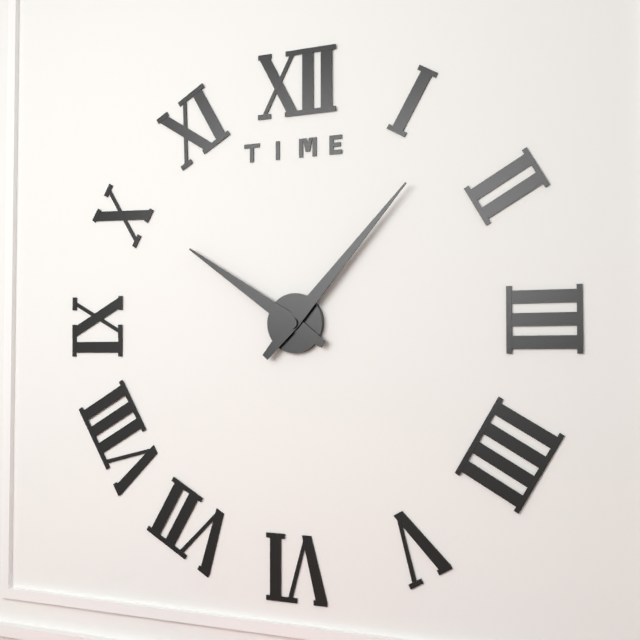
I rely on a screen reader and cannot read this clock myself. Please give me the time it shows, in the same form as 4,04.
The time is 10,07
